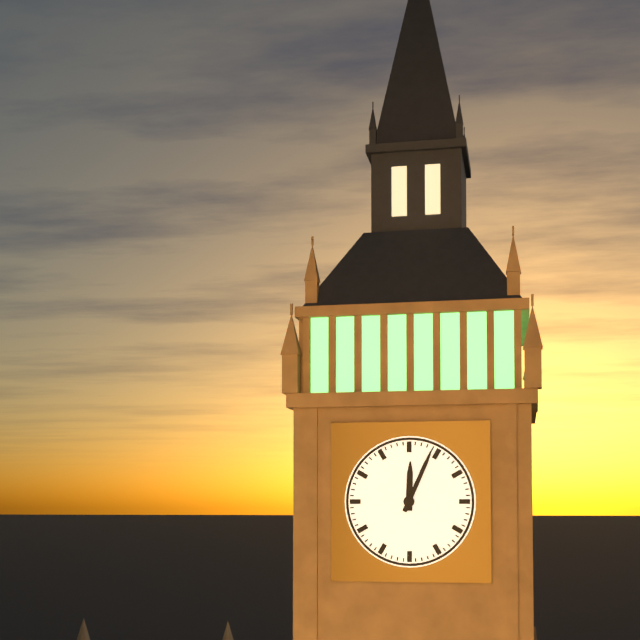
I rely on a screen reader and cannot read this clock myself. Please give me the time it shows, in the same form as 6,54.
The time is 12,04
